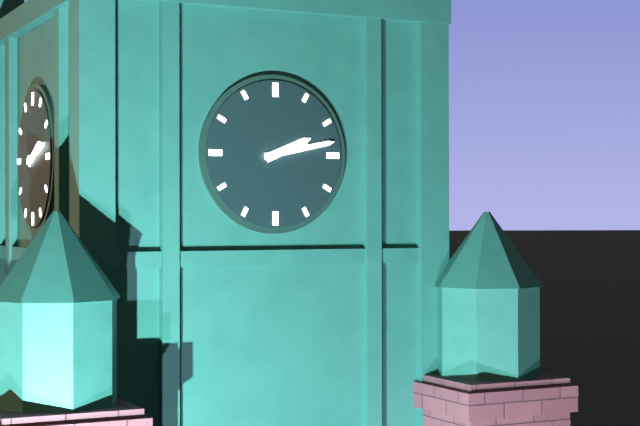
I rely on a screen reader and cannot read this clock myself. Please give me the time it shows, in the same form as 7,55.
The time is 2,13
